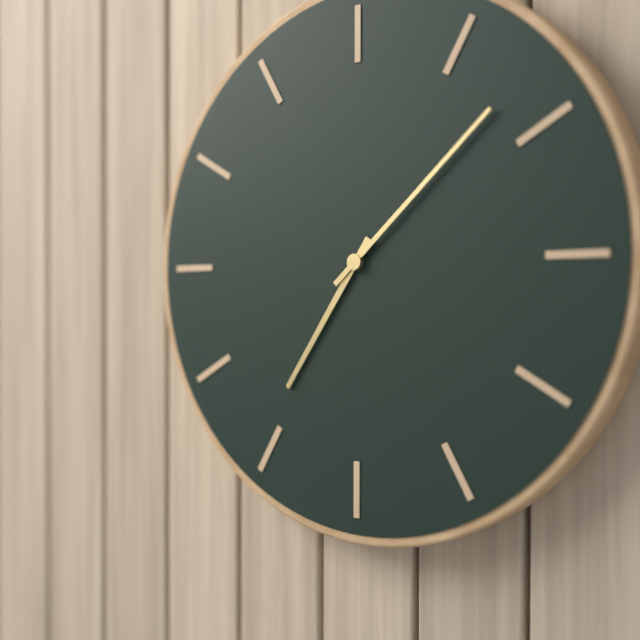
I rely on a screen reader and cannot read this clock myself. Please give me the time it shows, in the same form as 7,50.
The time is 7,08
